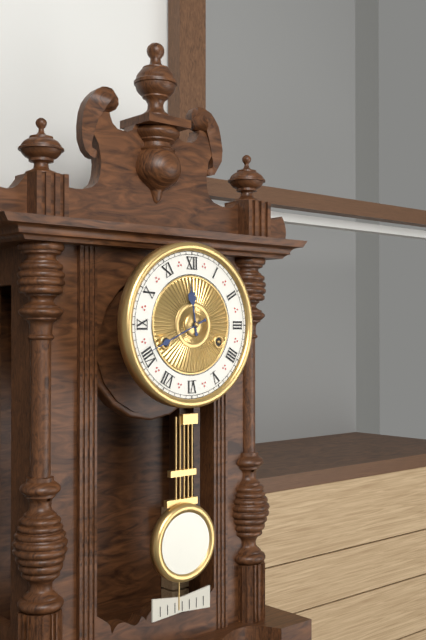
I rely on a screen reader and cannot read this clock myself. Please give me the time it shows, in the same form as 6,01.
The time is 11,41
